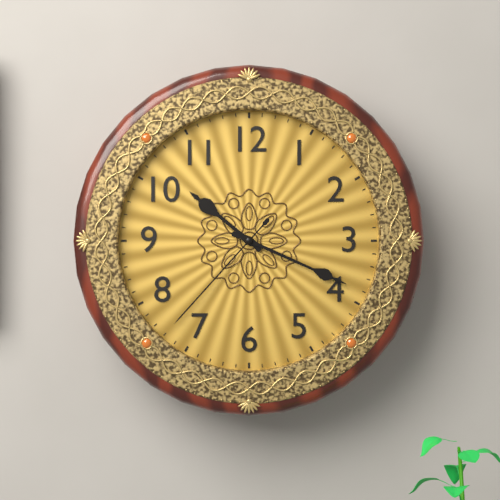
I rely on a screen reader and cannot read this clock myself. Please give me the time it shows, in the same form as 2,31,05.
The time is 10,19,37
